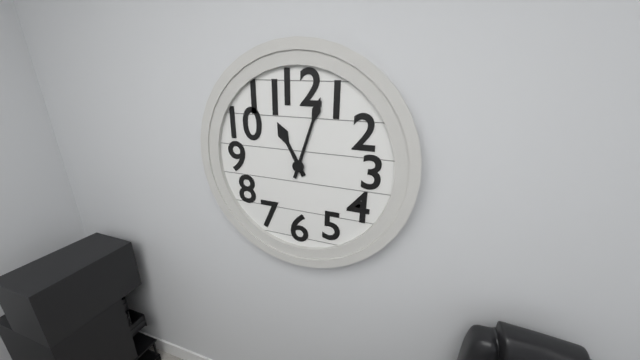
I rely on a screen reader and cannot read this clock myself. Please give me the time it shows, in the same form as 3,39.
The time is 11,03
